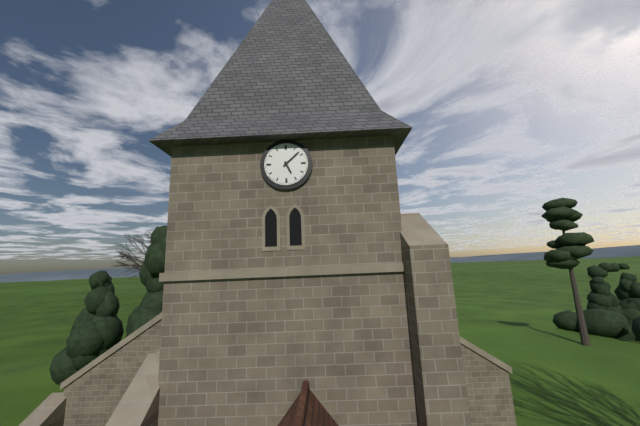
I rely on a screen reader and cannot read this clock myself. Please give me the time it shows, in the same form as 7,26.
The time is 5,08
